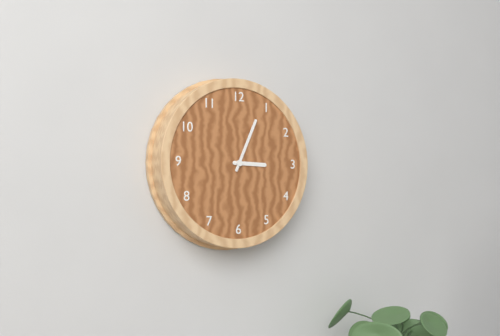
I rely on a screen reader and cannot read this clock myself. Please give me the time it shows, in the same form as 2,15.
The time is 3,04
